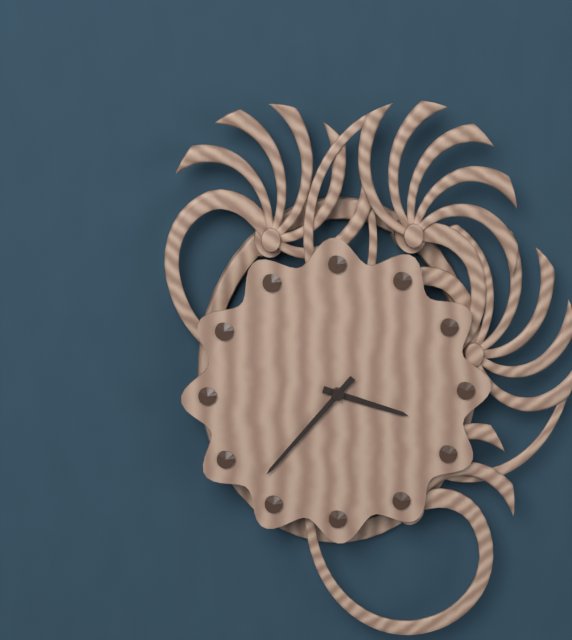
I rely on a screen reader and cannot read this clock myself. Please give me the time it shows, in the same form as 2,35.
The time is 3,37
